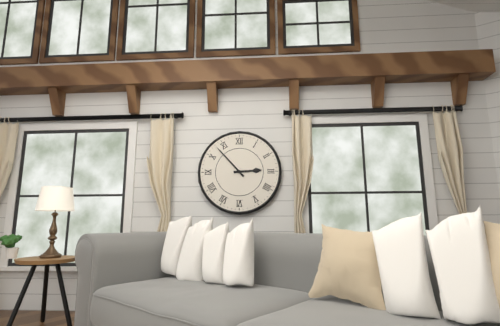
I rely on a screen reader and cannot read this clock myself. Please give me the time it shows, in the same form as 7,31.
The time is 2,53
